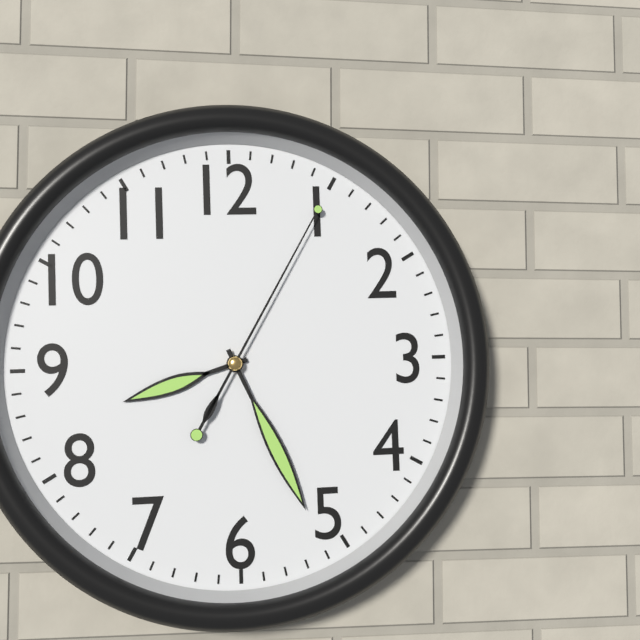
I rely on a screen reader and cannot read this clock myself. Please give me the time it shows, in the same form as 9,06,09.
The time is 8,26,05
